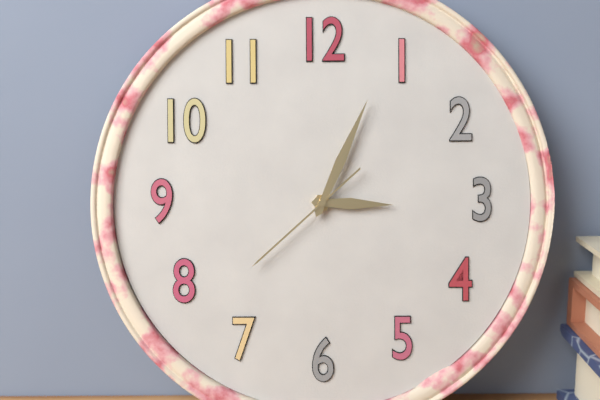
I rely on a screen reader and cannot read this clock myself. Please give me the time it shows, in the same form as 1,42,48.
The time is 3,04,38
